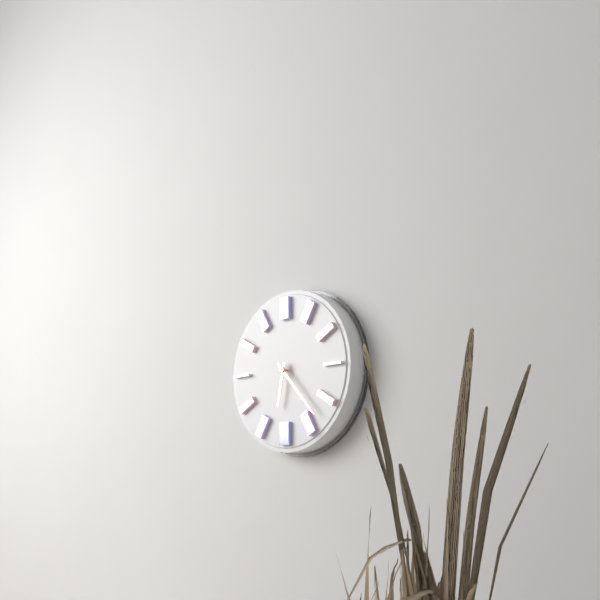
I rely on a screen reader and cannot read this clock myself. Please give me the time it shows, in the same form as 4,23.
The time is 6,23
